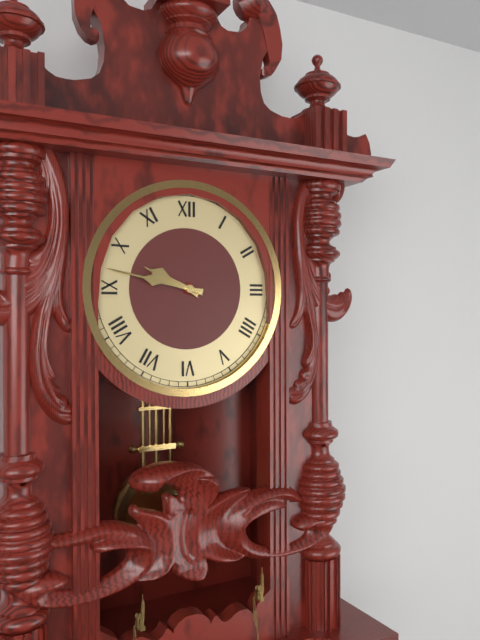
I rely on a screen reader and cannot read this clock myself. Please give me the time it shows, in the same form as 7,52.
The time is 9,47
